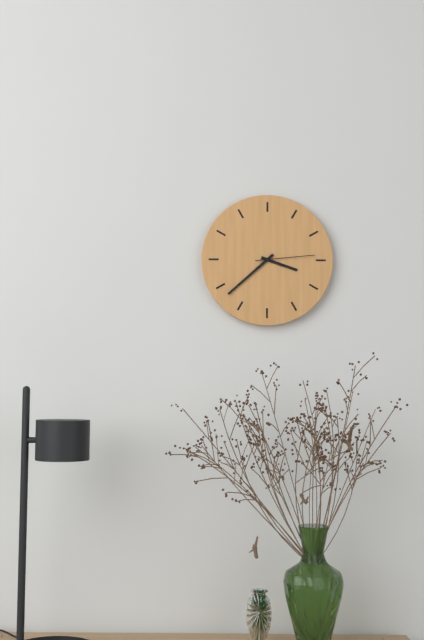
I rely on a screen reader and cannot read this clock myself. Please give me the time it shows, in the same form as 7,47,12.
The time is 3,38,14
